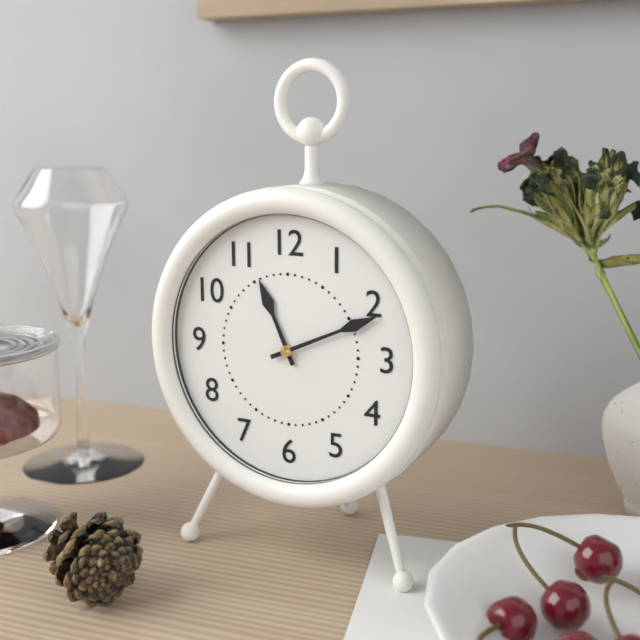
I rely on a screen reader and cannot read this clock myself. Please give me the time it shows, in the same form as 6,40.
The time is 11,11
